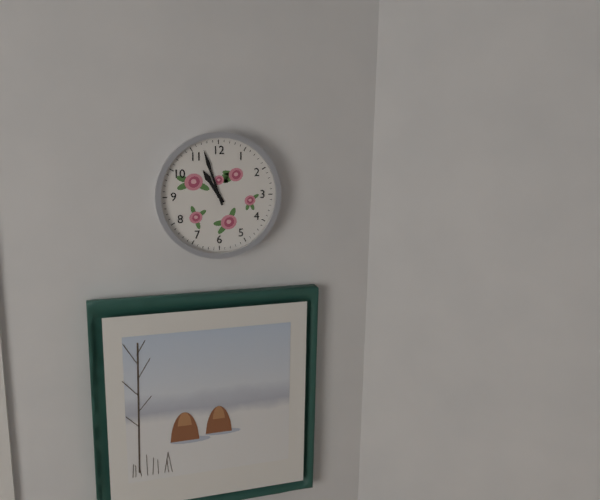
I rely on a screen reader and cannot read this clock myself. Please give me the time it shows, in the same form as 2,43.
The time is 10,57
